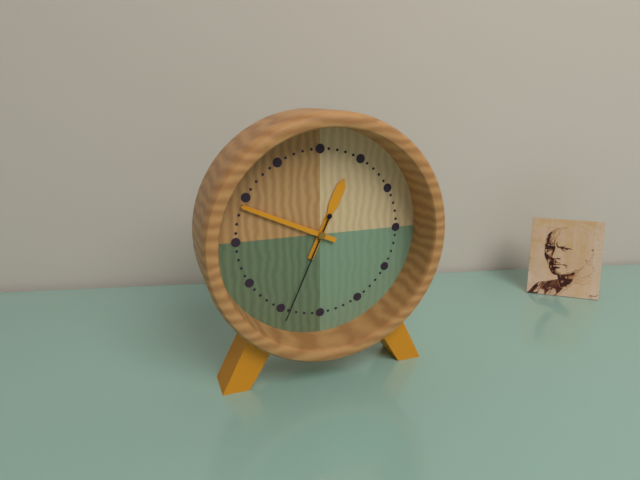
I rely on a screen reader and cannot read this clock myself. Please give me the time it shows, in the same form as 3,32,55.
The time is 12,49,34
